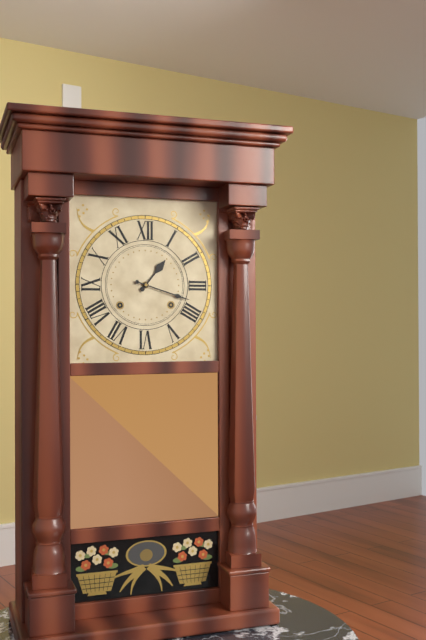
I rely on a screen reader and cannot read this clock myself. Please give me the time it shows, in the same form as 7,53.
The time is 1,18
